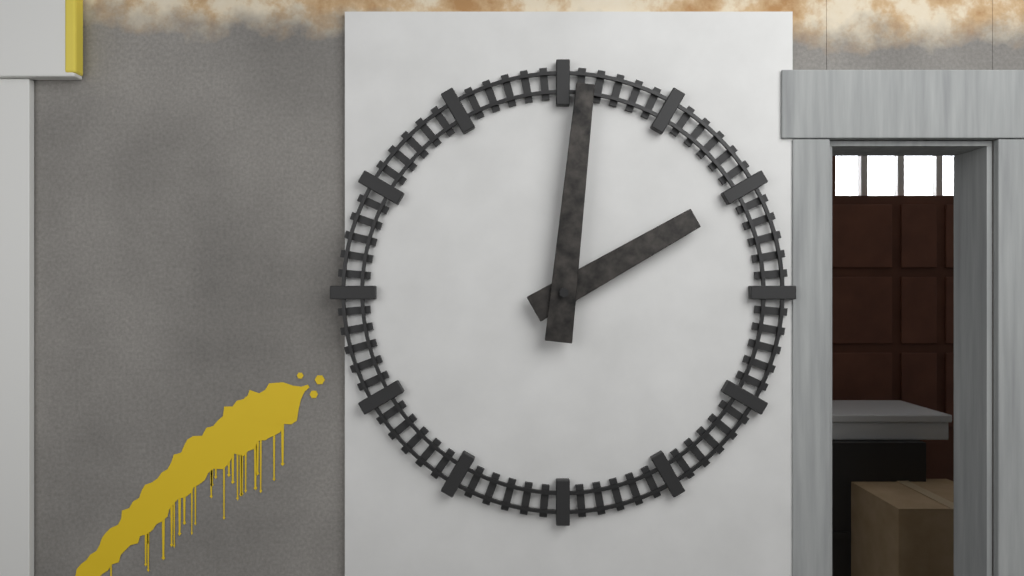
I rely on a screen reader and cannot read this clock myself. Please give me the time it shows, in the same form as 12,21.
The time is 2,01
